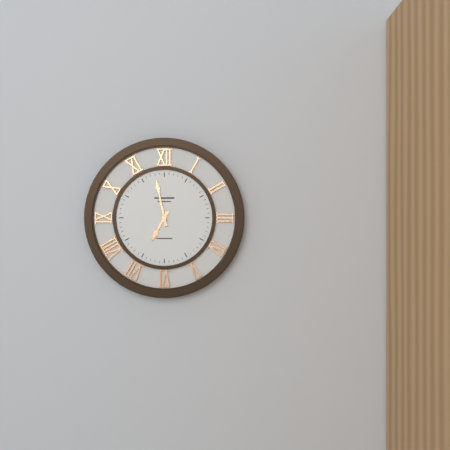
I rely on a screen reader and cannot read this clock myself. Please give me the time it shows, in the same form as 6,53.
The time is 6,58
